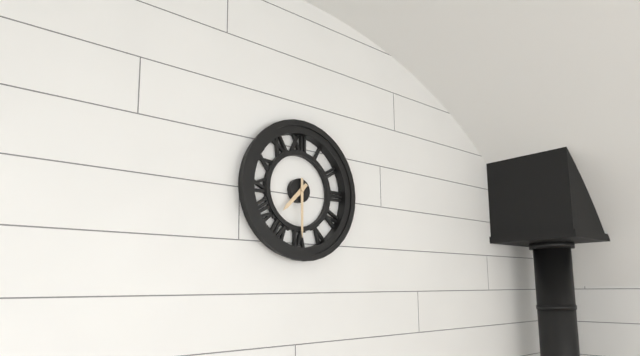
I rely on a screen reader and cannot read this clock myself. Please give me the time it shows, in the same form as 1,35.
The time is 7,30
